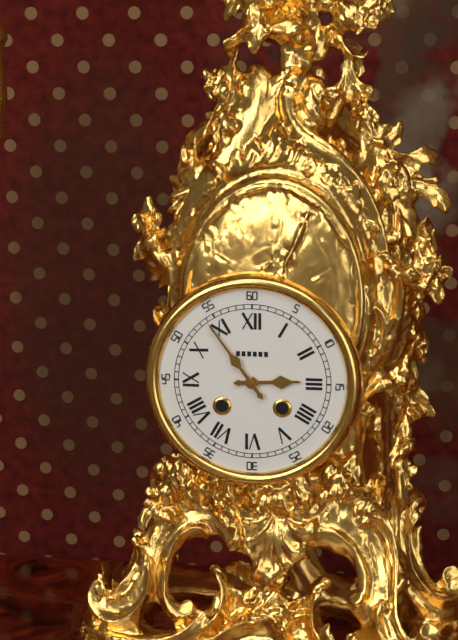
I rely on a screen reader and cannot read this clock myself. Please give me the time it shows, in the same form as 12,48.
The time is 2,54
